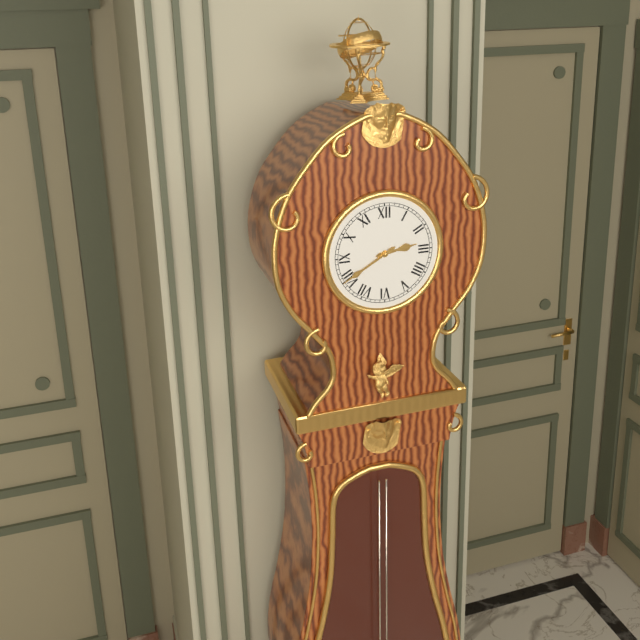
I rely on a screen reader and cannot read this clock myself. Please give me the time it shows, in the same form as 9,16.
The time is 2,40
